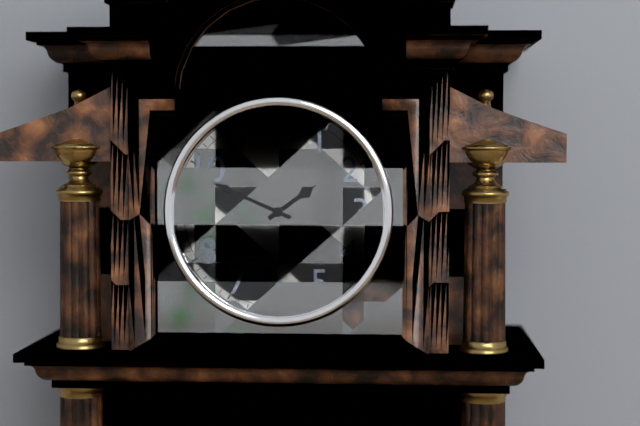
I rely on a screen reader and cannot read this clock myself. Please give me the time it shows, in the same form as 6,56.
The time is 1,49
